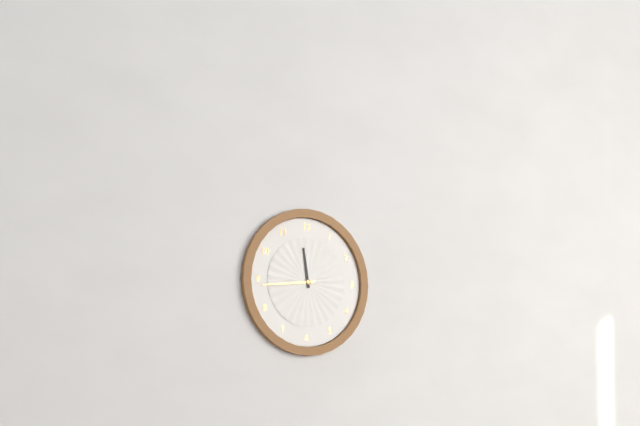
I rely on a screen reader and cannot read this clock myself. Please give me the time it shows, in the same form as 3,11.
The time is 11,44
